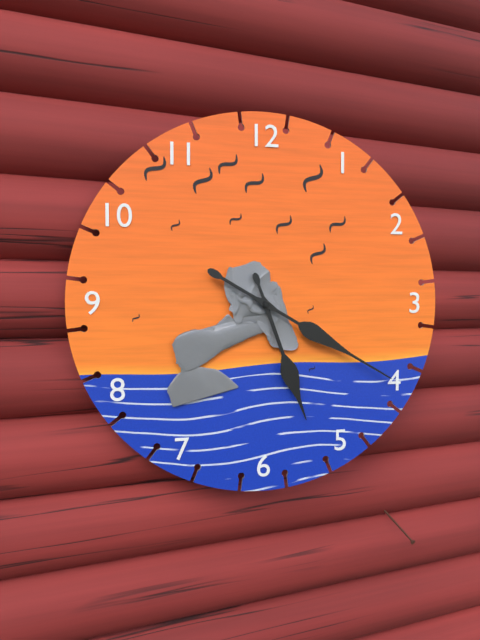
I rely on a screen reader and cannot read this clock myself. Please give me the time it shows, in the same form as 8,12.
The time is 5,20
